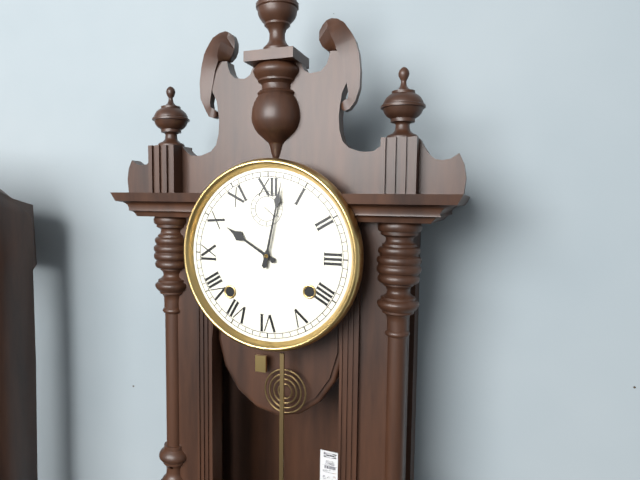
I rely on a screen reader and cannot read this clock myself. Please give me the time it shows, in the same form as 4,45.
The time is 10,02
